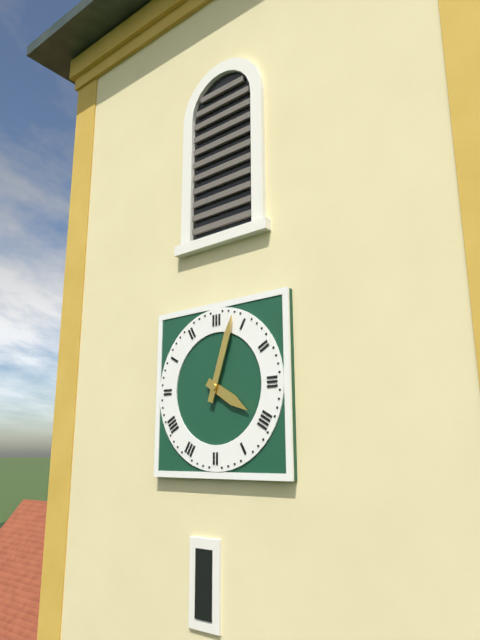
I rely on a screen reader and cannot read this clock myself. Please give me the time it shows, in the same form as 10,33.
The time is 4,03
